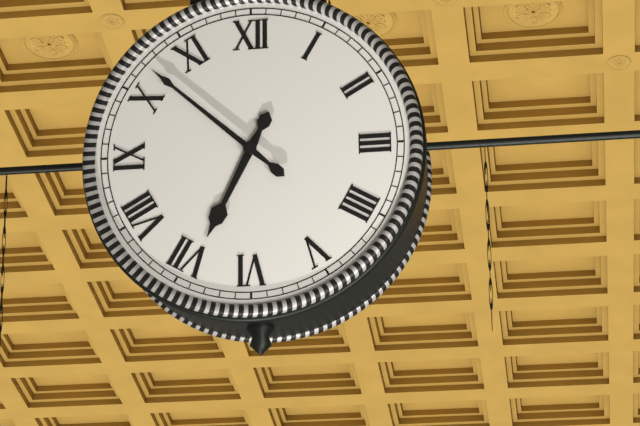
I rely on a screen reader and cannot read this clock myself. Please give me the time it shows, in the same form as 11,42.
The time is 6,52
